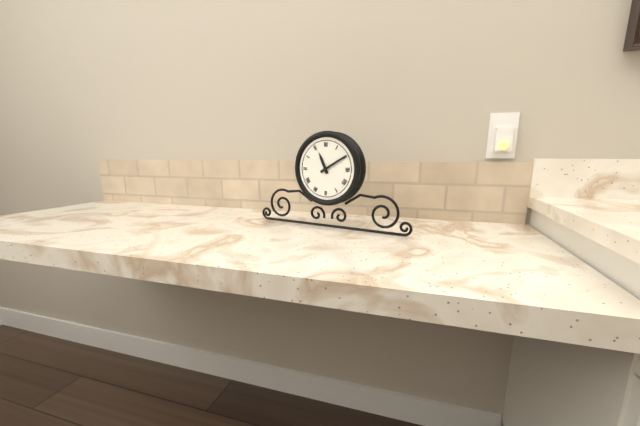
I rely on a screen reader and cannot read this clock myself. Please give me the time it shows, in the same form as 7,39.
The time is 11,10
